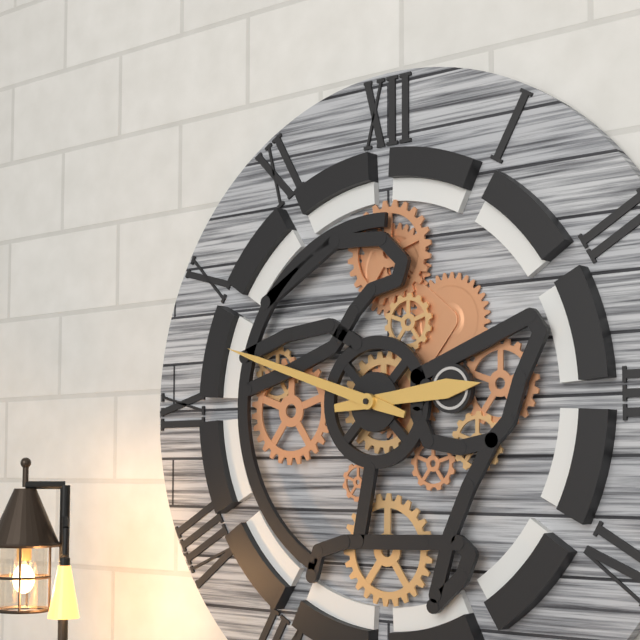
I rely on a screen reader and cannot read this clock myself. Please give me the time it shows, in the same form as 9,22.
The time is 2,48
